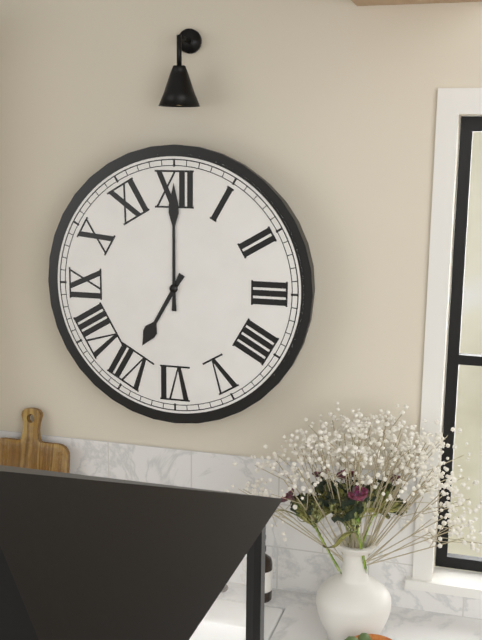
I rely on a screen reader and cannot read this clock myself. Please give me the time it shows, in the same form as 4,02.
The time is 7,00
